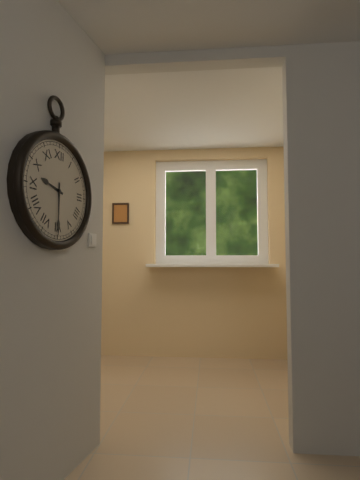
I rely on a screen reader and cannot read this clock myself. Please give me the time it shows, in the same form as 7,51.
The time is 9,30
